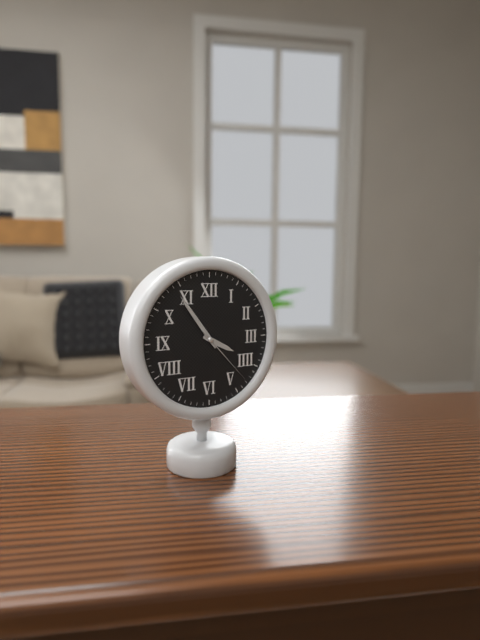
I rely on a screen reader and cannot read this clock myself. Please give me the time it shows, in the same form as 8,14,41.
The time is 3,54,23
